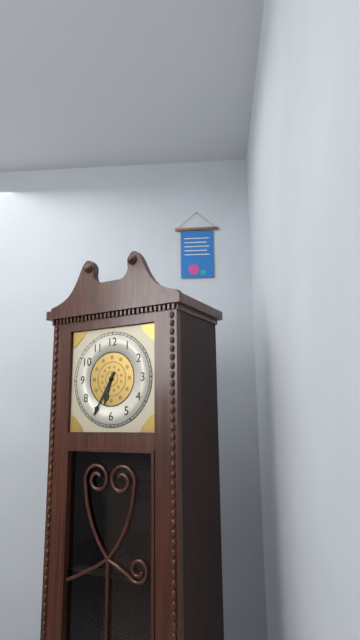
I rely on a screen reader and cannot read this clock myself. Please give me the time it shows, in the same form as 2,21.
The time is 6,35
